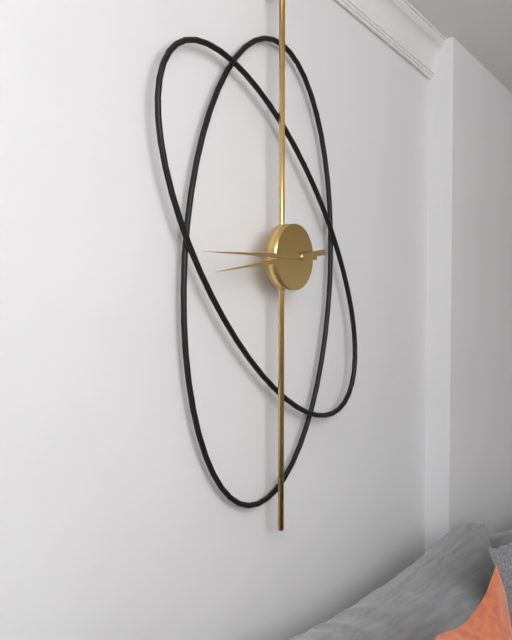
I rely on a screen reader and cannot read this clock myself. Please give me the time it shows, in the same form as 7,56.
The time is 8,45
